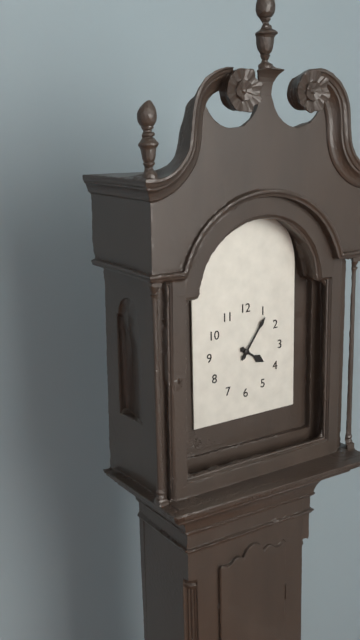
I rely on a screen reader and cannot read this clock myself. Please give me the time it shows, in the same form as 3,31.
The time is 4,06
